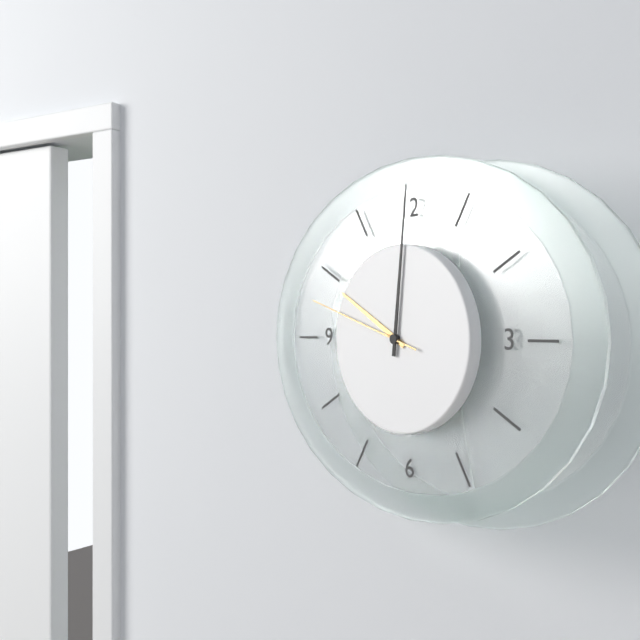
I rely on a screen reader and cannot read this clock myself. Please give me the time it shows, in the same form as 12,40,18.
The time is 10,01,48
